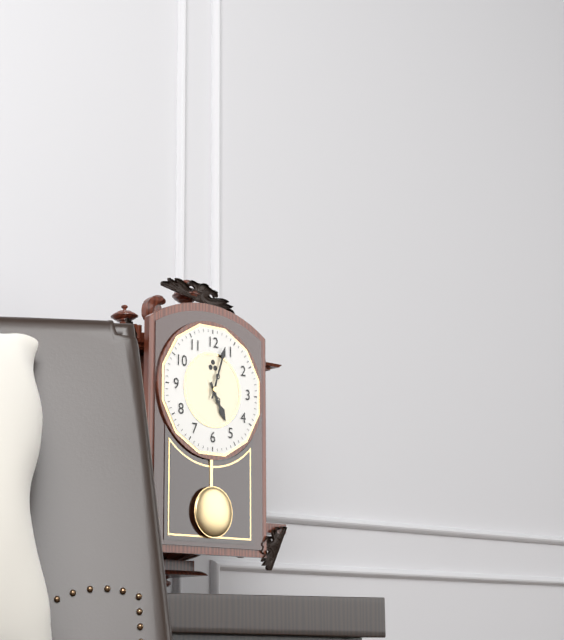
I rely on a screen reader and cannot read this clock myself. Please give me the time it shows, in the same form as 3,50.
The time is 5,03
